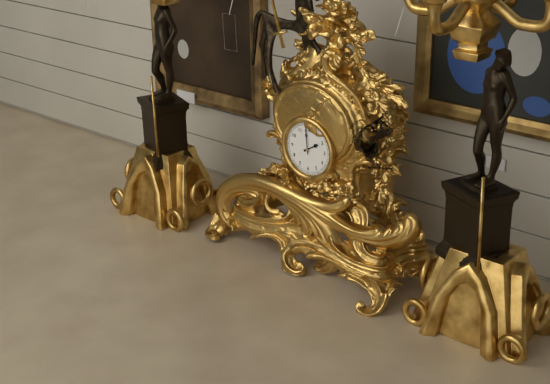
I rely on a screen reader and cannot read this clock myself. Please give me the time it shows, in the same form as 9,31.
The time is 1,59
